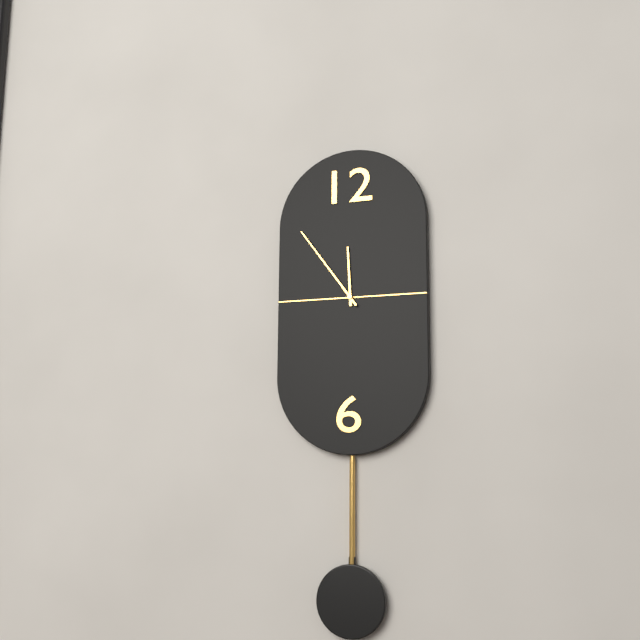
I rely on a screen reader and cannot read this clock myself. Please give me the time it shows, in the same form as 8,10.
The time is 11,54
